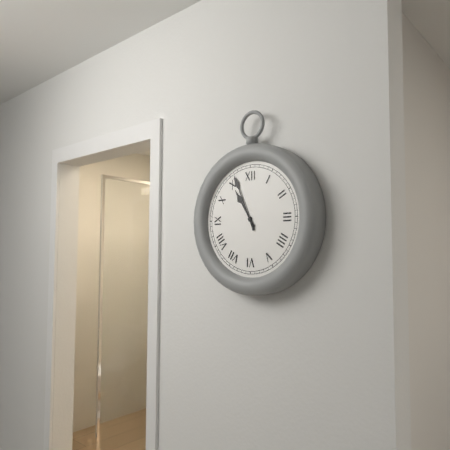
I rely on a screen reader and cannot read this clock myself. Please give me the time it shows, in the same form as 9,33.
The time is 10,56
